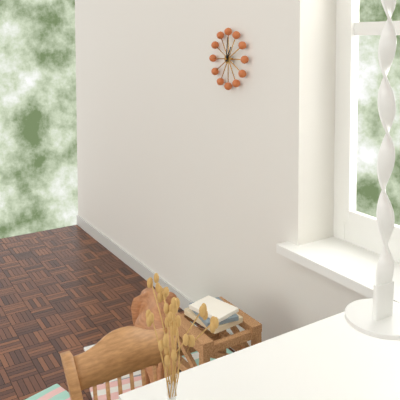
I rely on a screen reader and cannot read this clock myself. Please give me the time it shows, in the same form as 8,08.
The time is 1,01
